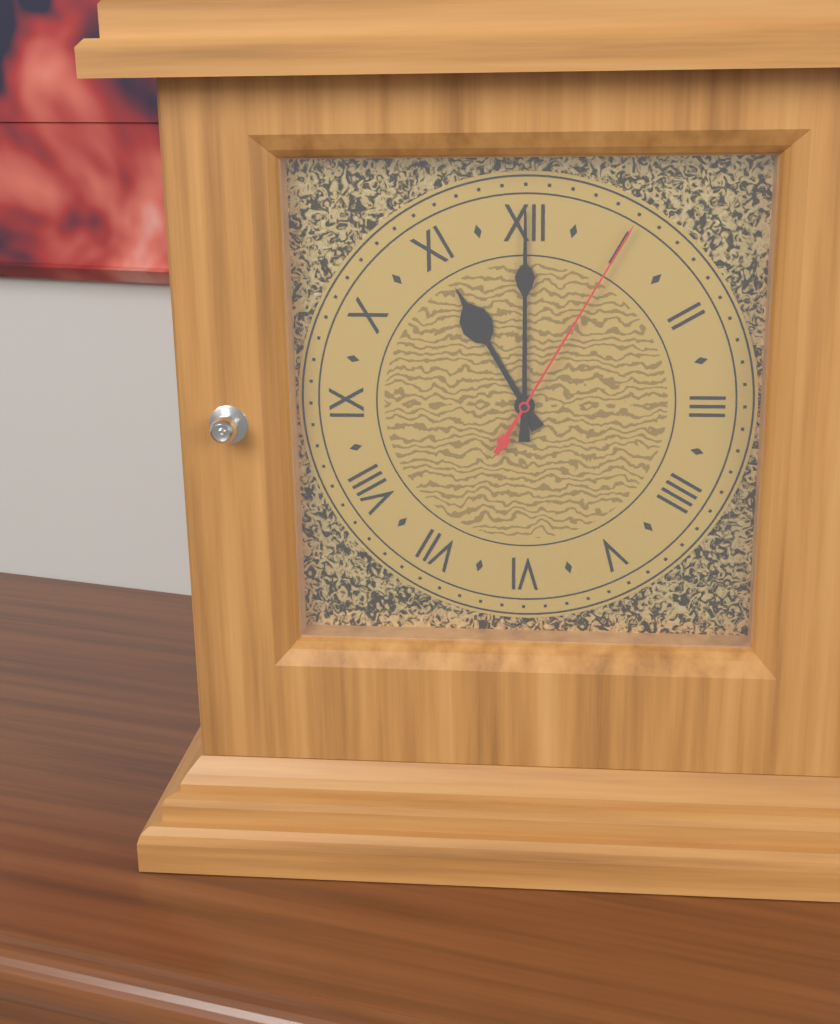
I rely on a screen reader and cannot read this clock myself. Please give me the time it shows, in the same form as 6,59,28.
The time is 11,00,05
